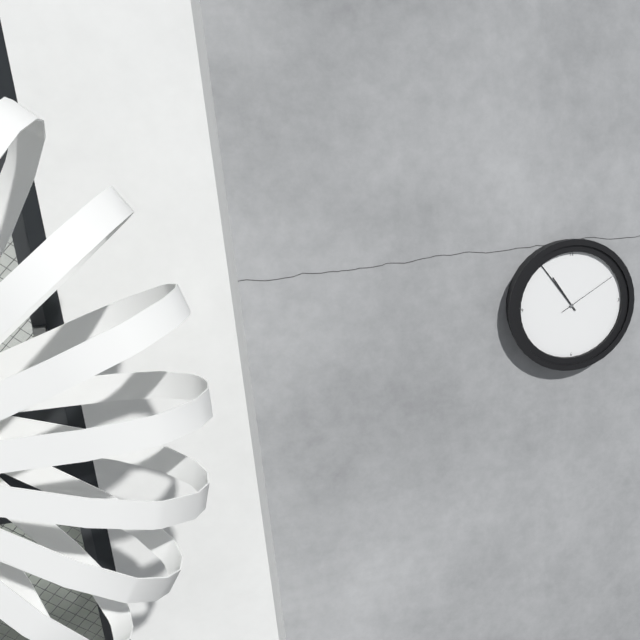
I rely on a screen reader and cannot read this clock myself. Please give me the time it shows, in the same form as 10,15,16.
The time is 10,54,10
